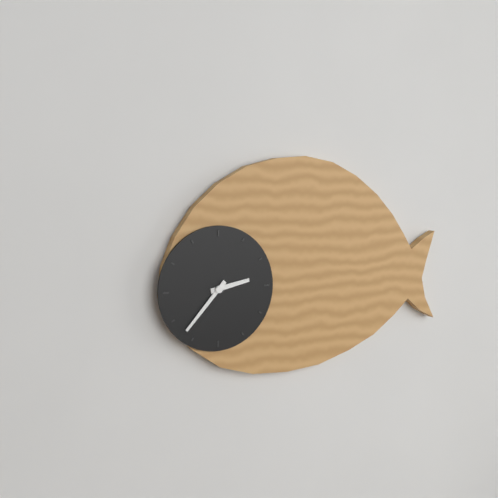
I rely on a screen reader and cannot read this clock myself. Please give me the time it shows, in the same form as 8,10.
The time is 2,37
